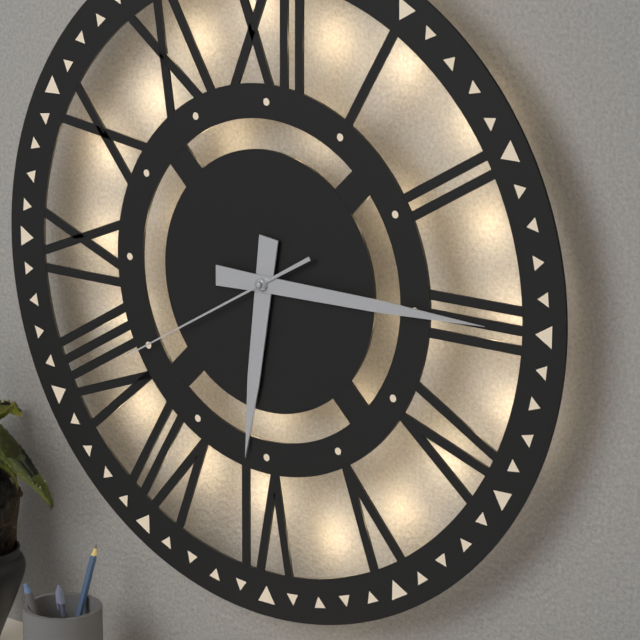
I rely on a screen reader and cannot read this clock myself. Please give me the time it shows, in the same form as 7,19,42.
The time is 6,15,40
